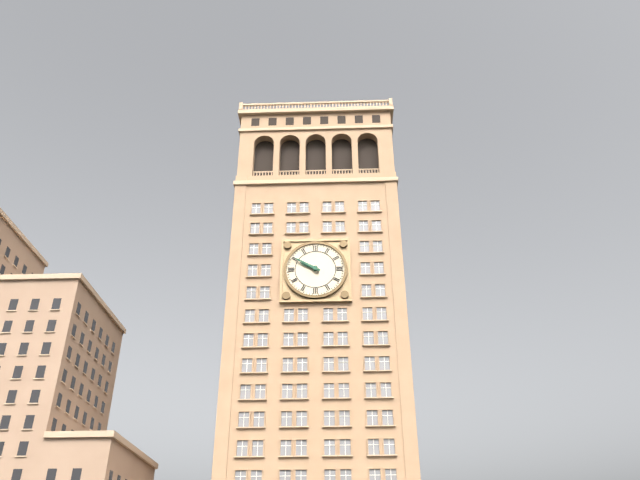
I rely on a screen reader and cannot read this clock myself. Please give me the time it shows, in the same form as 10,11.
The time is 9,50
